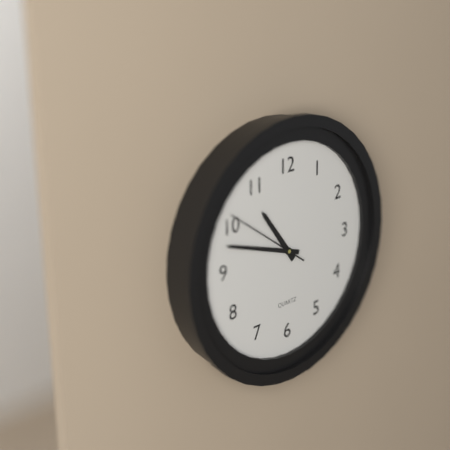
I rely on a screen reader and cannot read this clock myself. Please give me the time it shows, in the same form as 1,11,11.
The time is 10,48,51
